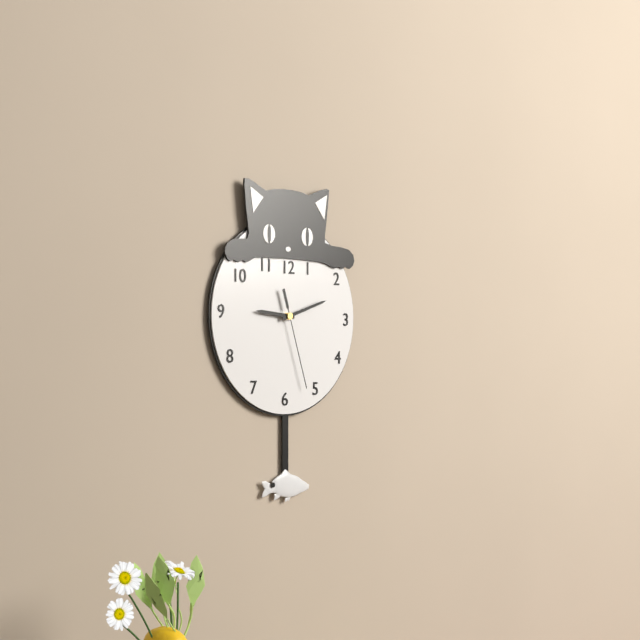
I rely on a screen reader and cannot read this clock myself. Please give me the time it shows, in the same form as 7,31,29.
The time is 9,12,27
